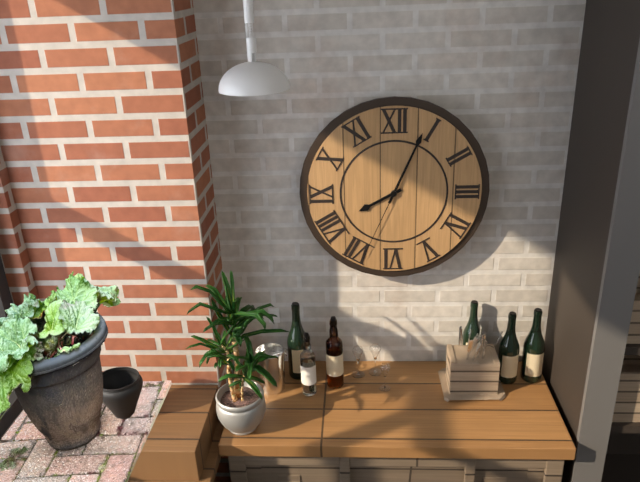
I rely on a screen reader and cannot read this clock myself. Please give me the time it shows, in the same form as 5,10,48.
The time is 8,04,34
